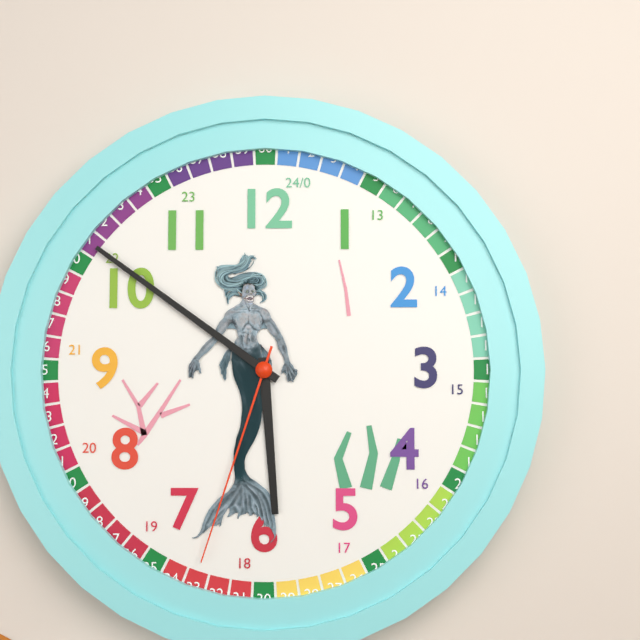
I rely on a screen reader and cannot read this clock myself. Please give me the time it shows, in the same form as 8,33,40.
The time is 5,51,33
